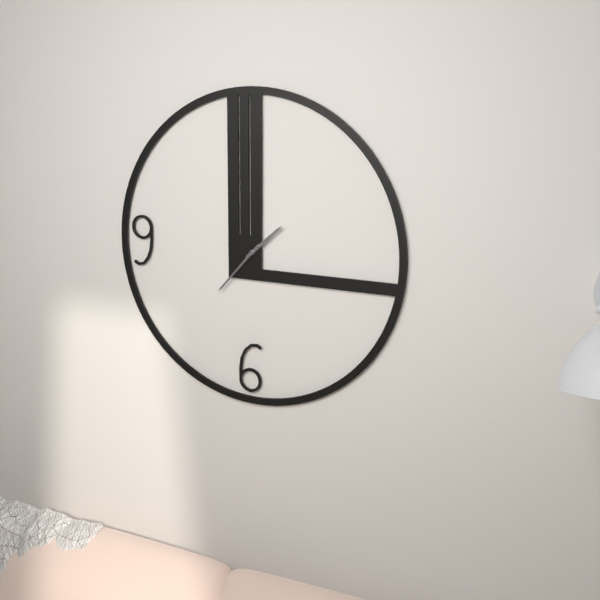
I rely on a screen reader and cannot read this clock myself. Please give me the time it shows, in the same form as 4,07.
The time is 1,37
